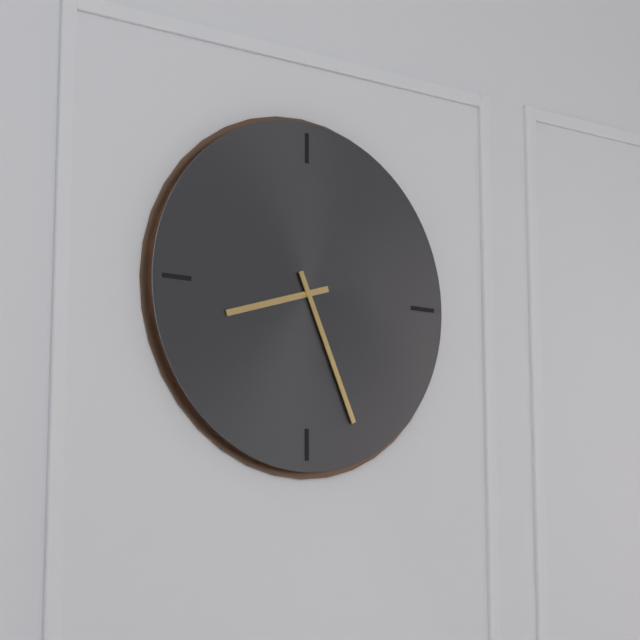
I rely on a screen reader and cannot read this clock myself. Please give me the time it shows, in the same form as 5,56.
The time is 8,26
